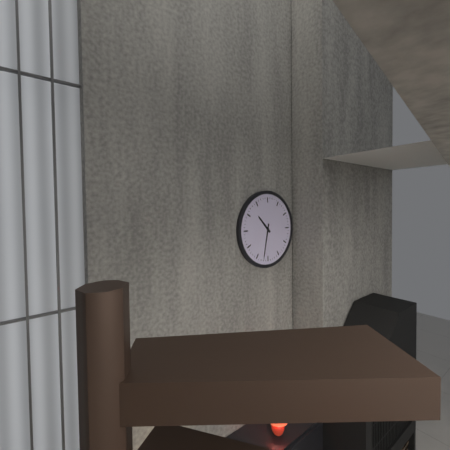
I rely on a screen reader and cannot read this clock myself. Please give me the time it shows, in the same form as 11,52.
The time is 10,32
